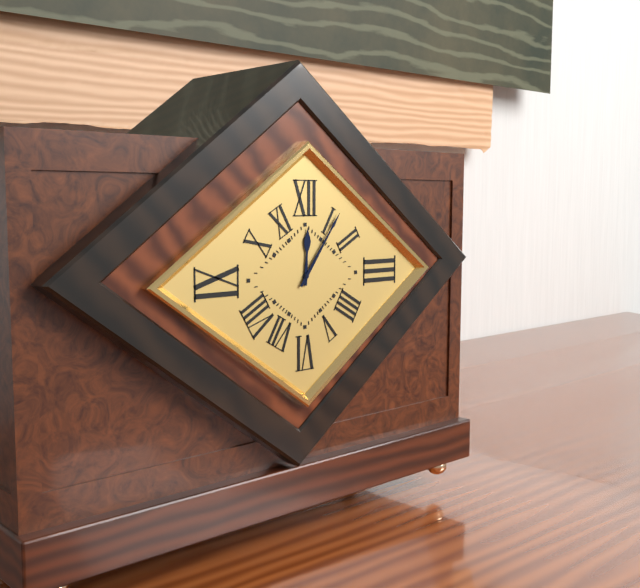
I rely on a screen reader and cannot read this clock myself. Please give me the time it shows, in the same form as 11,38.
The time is 12,06
